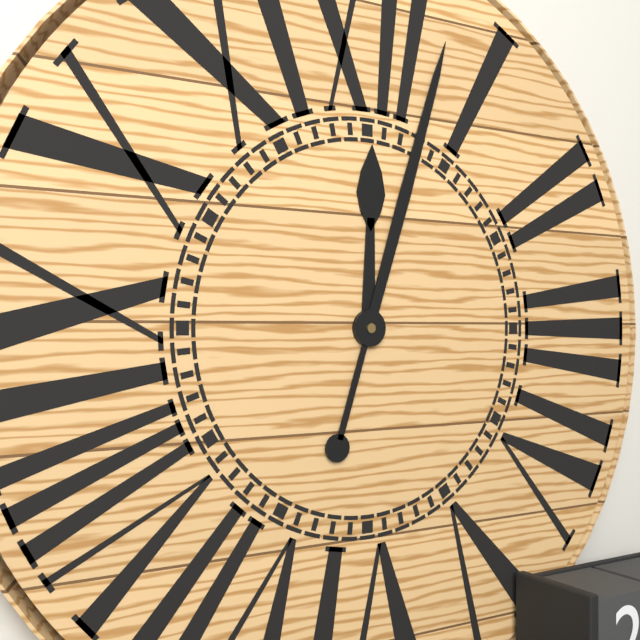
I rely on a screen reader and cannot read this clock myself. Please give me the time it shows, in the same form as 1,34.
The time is 12,03
